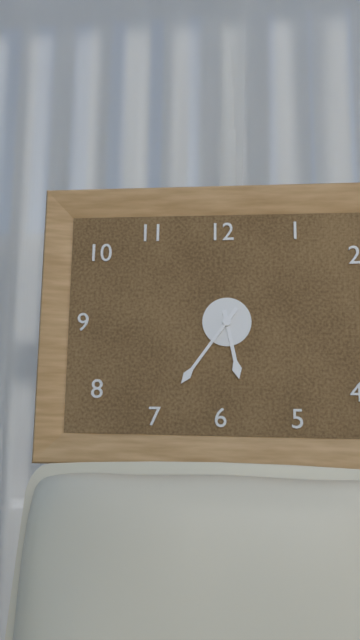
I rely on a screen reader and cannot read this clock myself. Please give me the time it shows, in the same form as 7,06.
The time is 5,36
